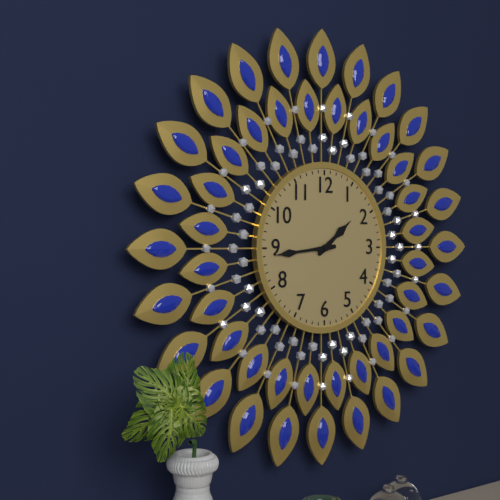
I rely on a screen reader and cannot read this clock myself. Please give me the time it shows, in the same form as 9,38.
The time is 1,44
